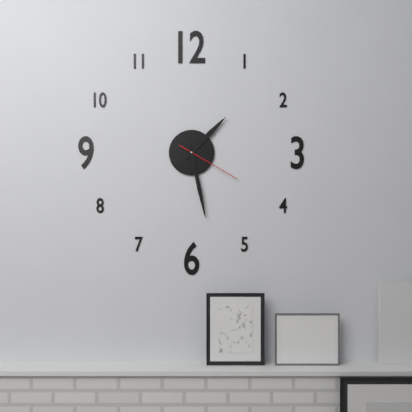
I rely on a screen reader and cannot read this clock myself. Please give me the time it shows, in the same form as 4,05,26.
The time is 1,28,20
